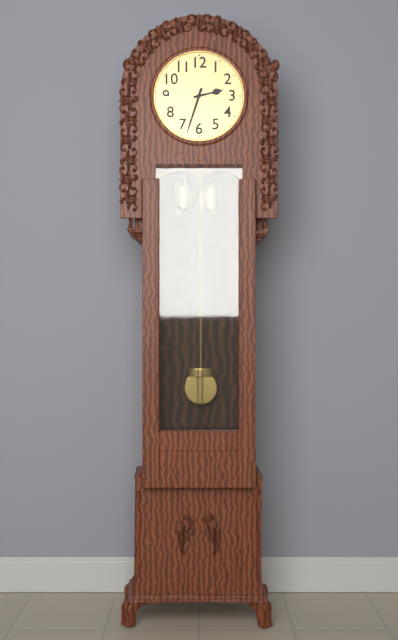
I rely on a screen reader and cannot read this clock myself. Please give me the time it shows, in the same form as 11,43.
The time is 2,33
